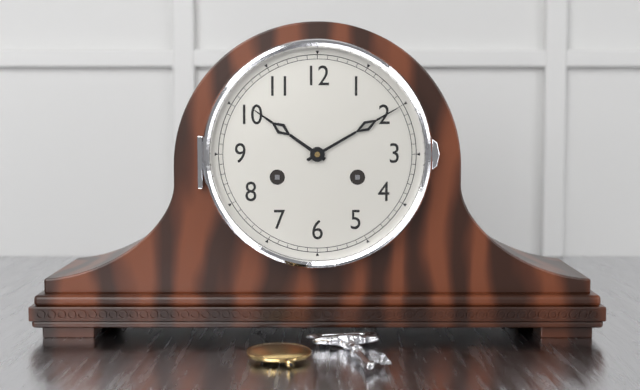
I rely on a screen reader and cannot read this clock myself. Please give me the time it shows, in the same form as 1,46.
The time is 10,10
